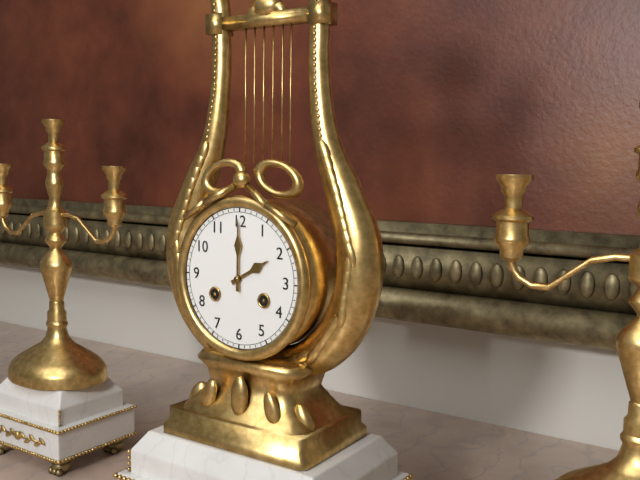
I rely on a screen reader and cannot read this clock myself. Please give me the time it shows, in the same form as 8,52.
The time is 2,00
